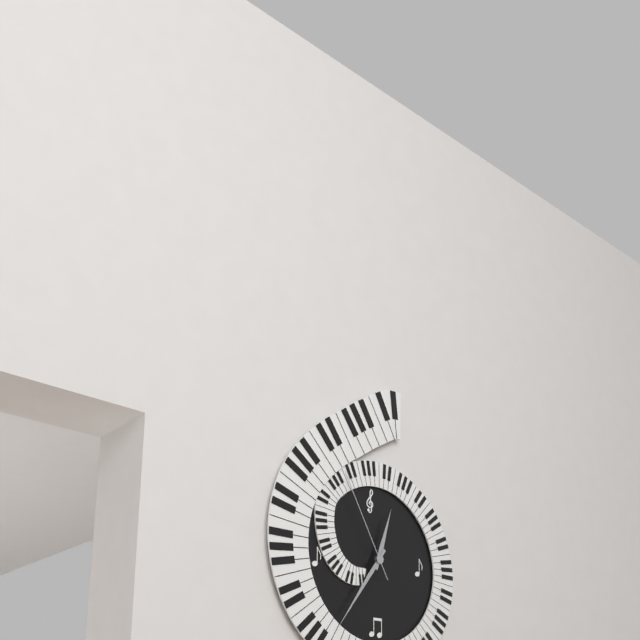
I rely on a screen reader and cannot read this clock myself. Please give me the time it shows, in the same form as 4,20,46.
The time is 12,36,55
